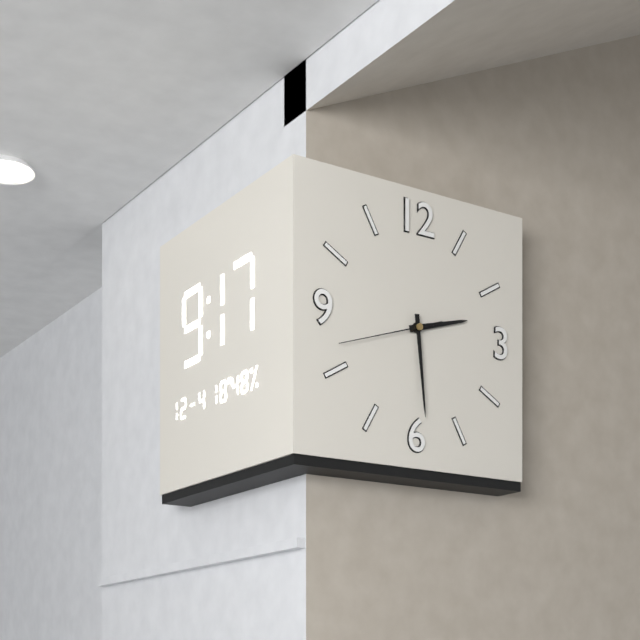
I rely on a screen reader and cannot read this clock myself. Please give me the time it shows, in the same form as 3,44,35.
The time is 2,29,42
